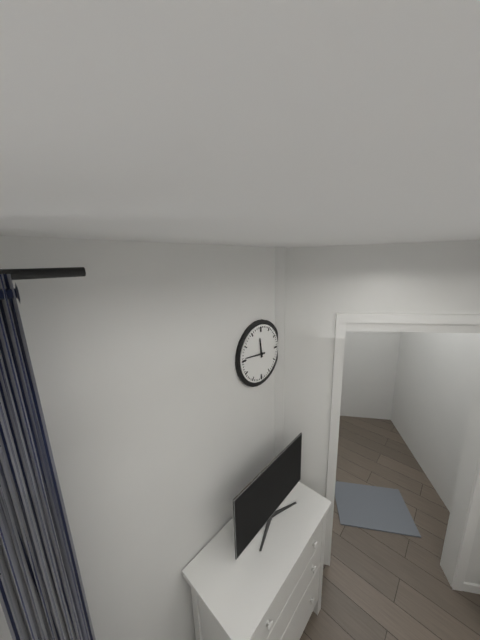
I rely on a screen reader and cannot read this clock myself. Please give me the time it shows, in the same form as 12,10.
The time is 11,46
